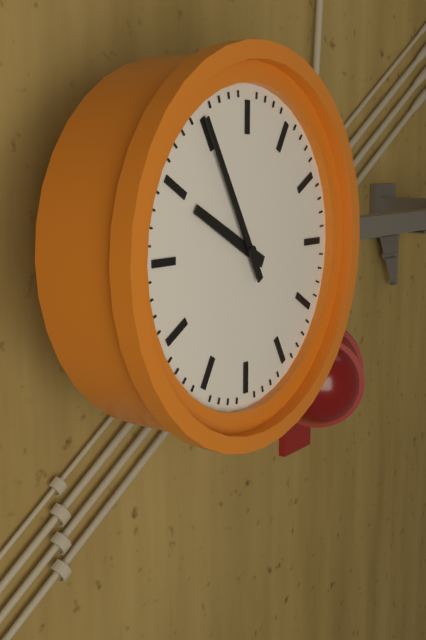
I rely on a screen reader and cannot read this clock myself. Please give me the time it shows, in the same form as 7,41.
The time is 9,55
